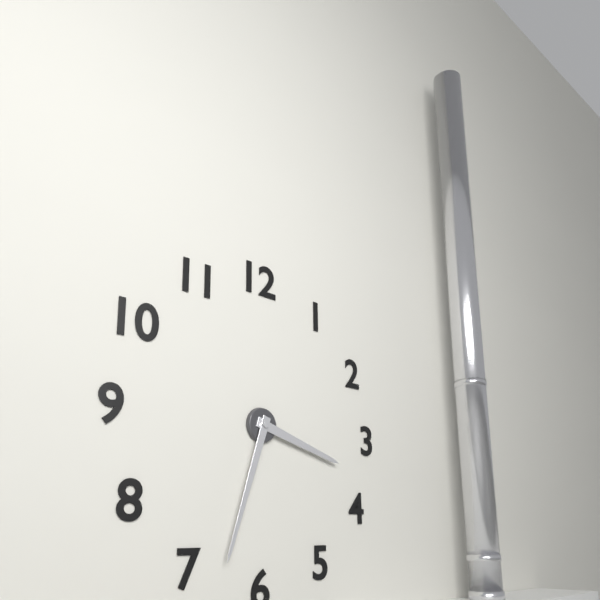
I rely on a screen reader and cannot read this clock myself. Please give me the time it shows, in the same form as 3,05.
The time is 3,33
